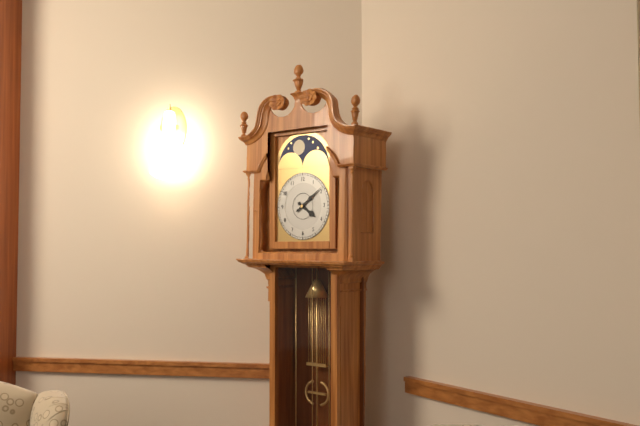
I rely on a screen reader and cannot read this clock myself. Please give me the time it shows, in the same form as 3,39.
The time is 4,09
